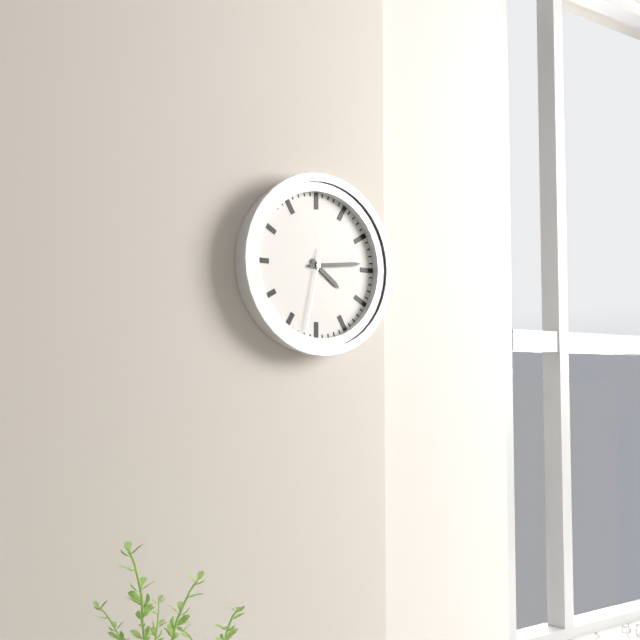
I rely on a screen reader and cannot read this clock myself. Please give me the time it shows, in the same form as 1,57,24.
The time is 4,14,32
